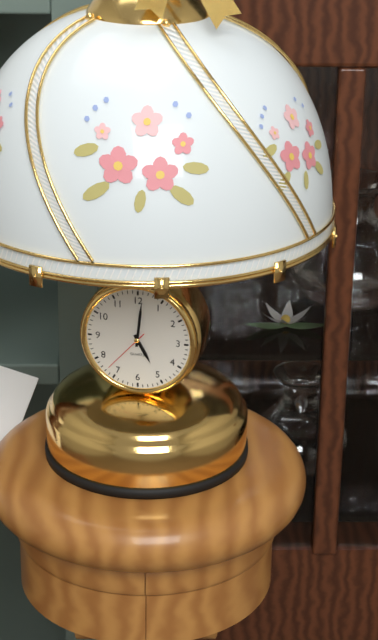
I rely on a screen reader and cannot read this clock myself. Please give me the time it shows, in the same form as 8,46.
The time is 5,01
